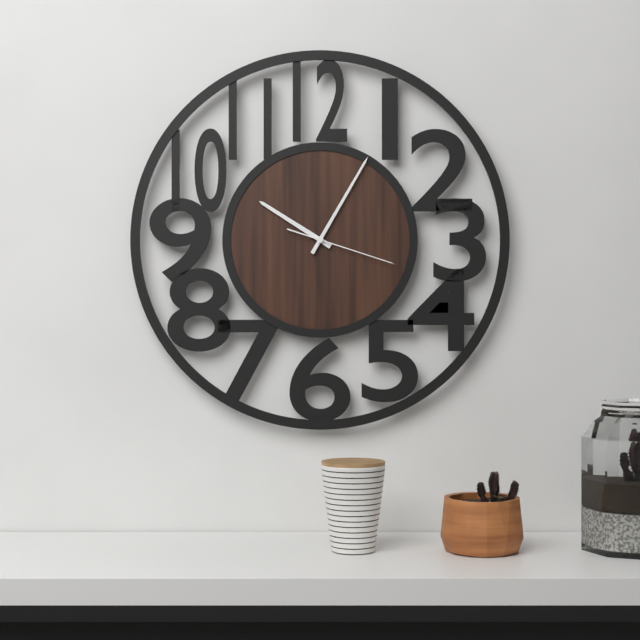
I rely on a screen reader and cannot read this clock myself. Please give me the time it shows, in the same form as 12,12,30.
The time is 10,05,18
